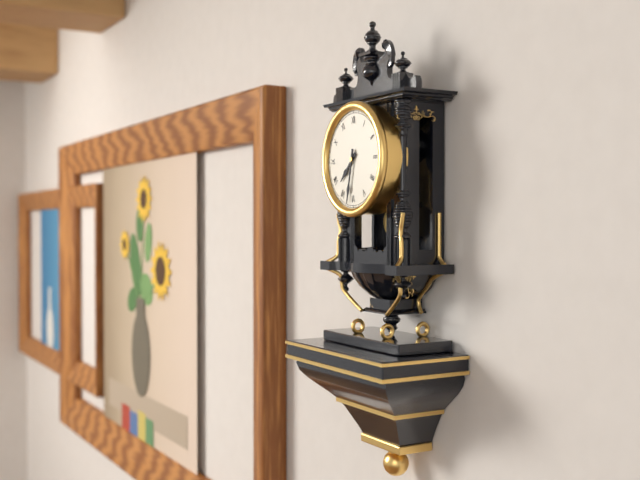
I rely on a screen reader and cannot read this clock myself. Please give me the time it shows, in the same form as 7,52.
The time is 7,32
